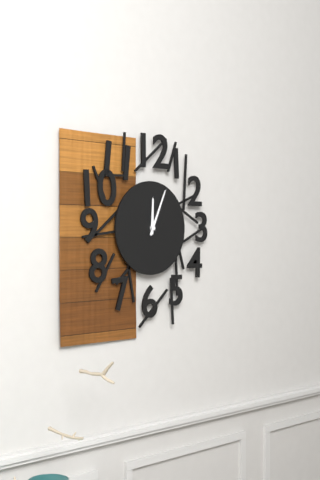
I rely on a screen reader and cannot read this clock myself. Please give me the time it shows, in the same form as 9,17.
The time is 12,04
